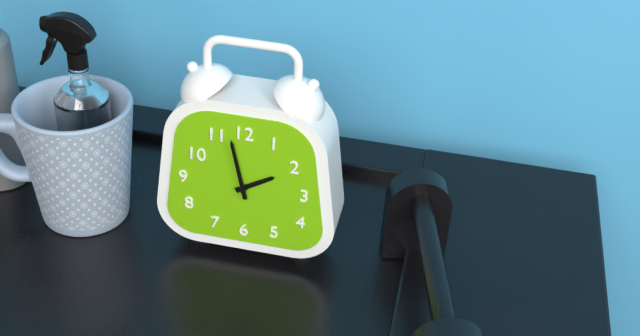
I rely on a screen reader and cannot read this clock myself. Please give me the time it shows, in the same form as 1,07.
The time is 1,58
